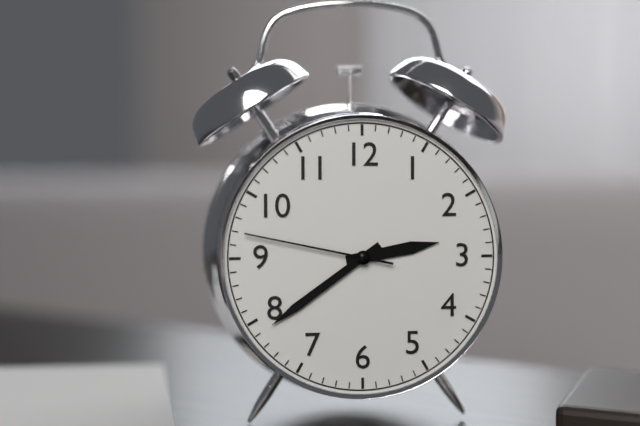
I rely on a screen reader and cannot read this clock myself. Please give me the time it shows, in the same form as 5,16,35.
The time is 2,39,47
